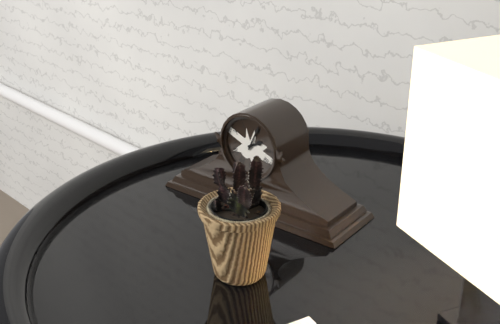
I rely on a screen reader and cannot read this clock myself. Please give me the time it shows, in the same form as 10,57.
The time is 2,04
